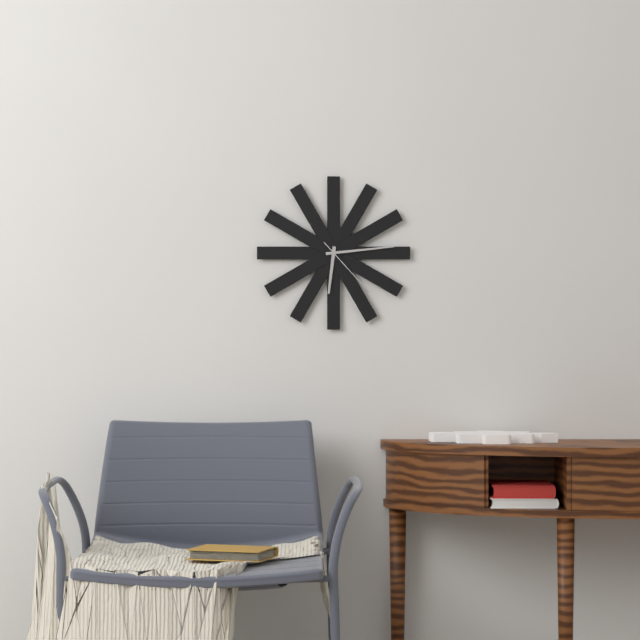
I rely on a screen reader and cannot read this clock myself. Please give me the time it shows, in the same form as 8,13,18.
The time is 6,14,23
